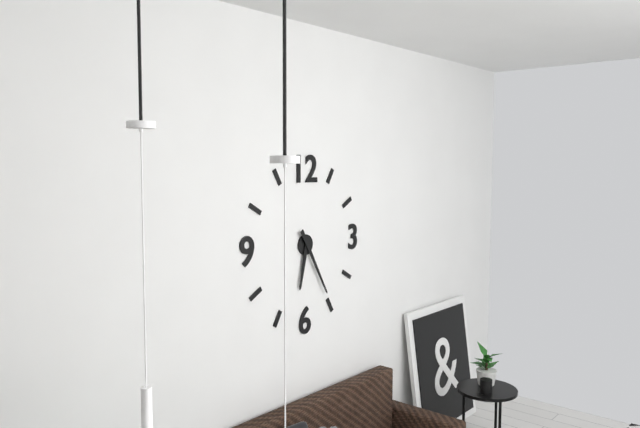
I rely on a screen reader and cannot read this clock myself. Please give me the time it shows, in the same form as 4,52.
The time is 6,25
